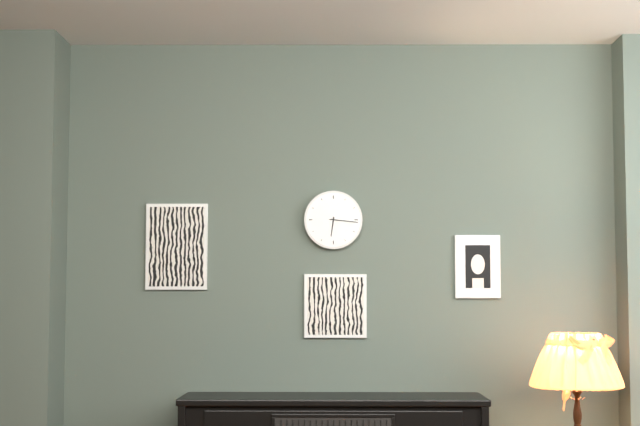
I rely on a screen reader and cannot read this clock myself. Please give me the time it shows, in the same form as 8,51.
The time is 6,16
